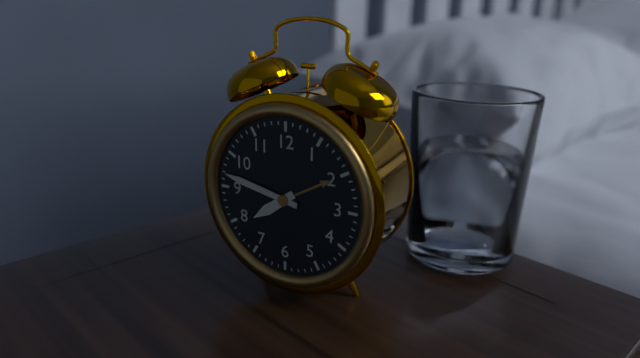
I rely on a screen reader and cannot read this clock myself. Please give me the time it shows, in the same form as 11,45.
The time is 7,47
